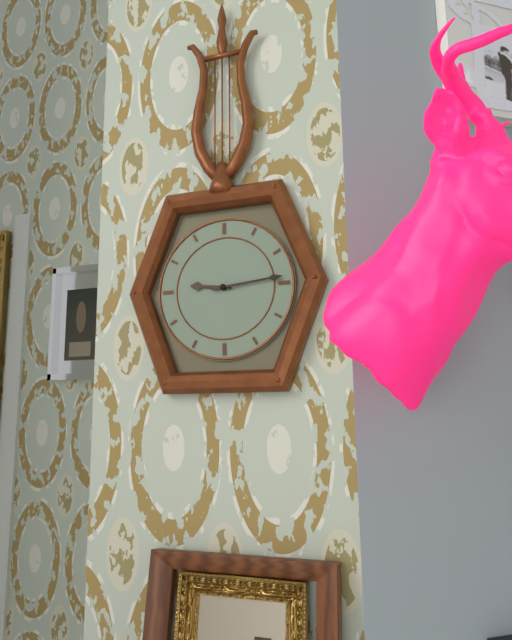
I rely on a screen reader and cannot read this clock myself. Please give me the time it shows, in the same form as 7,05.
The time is 9,14
